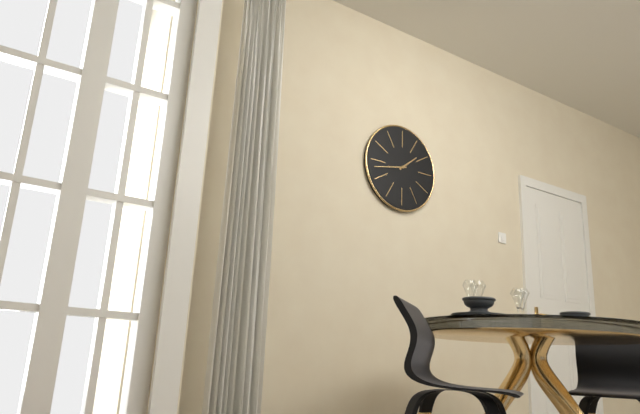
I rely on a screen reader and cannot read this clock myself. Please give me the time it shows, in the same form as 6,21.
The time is 1,43
